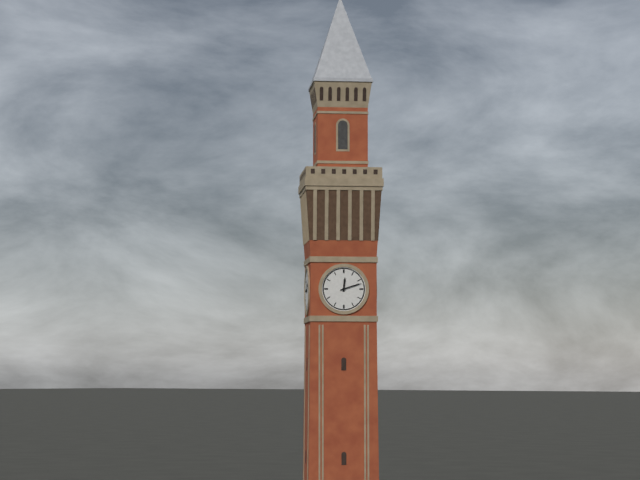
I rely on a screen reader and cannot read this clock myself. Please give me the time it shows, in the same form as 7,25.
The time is 12,12
